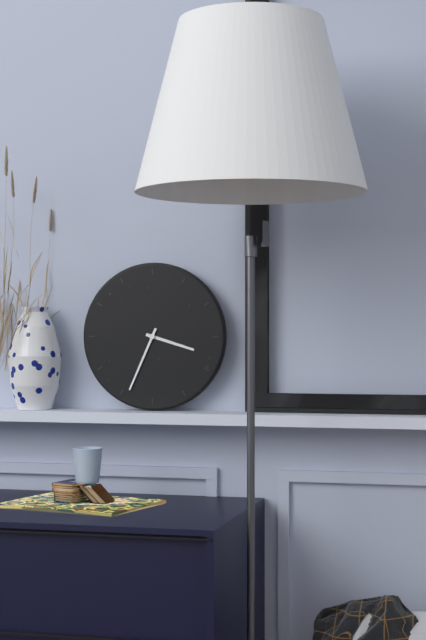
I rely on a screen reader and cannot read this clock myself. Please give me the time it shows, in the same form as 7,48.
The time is 3,34
